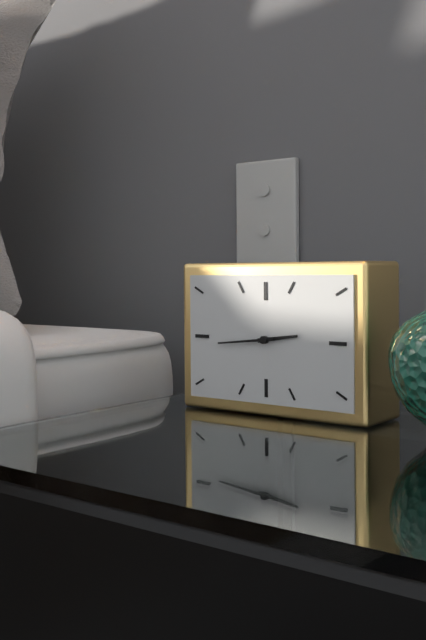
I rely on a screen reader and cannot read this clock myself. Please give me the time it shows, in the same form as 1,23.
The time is 2,44
